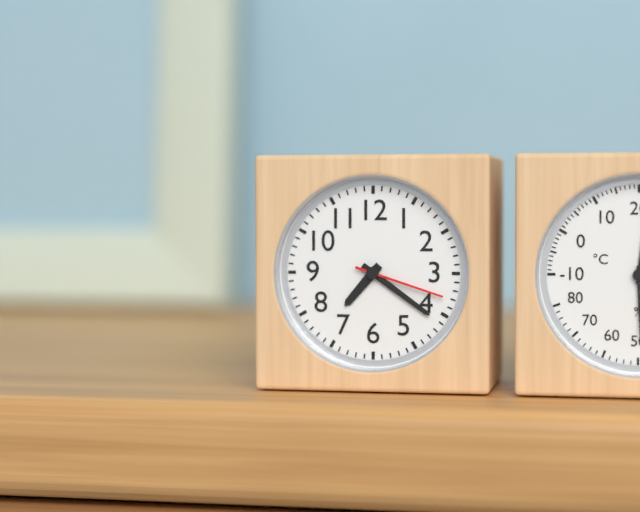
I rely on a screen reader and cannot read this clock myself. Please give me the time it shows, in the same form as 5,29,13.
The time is 7,21,18
